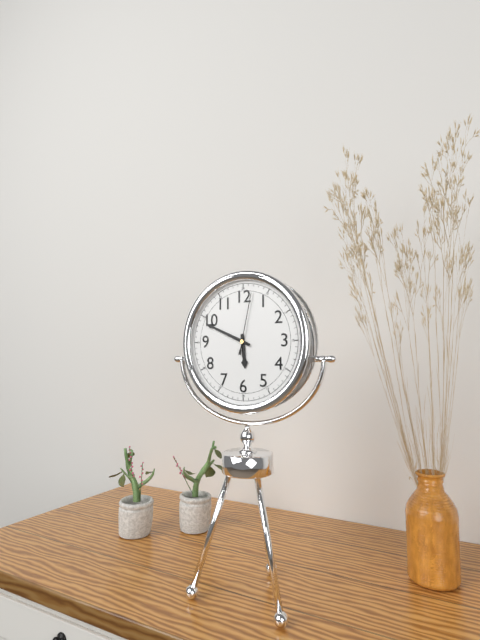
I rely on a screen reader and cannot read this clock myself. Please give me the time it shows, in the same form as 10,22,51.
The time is 5,49,02
